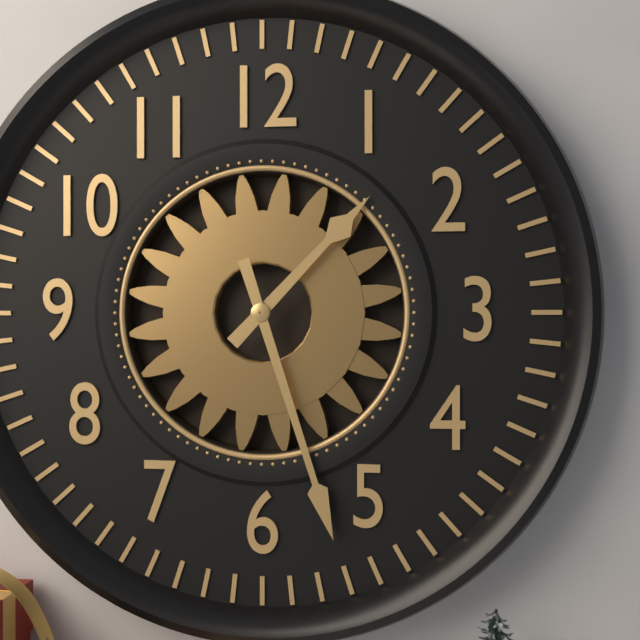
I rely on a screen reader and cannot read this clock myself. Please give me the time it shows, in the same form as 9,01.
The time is 1,27
